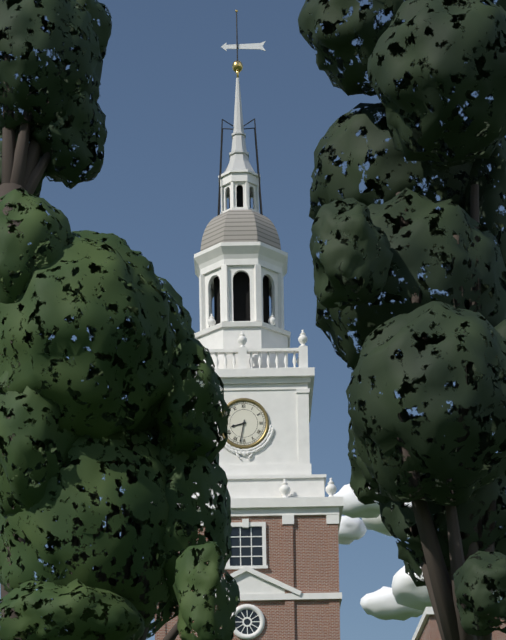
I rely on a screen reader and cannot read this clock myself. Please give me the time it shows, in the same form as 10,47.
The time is 8,32
